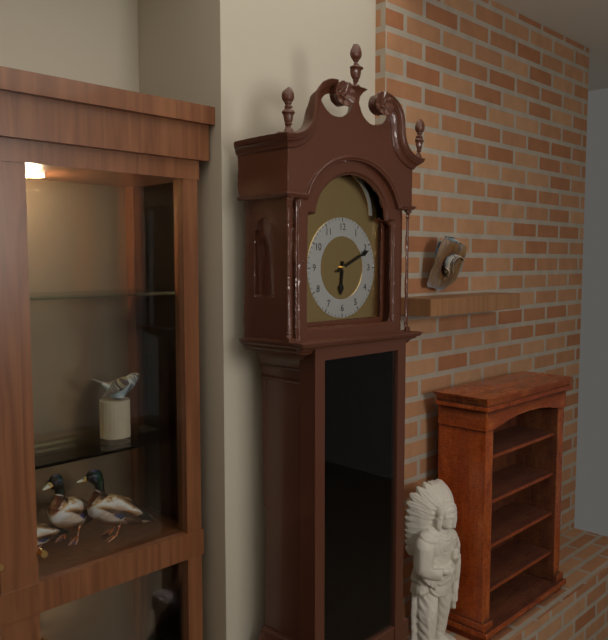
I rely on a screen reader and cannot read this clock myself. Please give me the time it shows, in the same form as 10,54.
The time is 6,11
